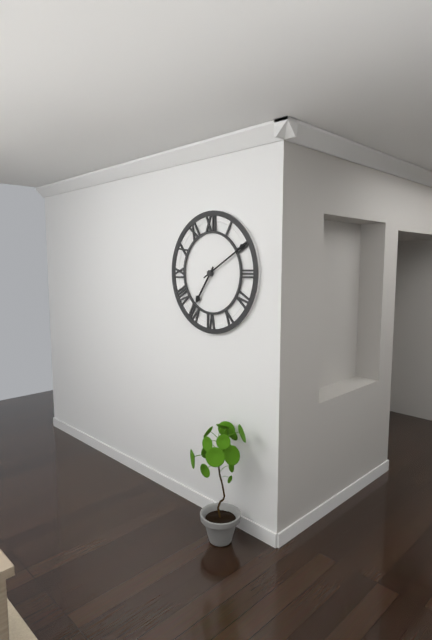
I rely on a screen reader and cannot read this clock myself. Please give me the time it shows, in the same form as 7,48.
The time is 7,10
